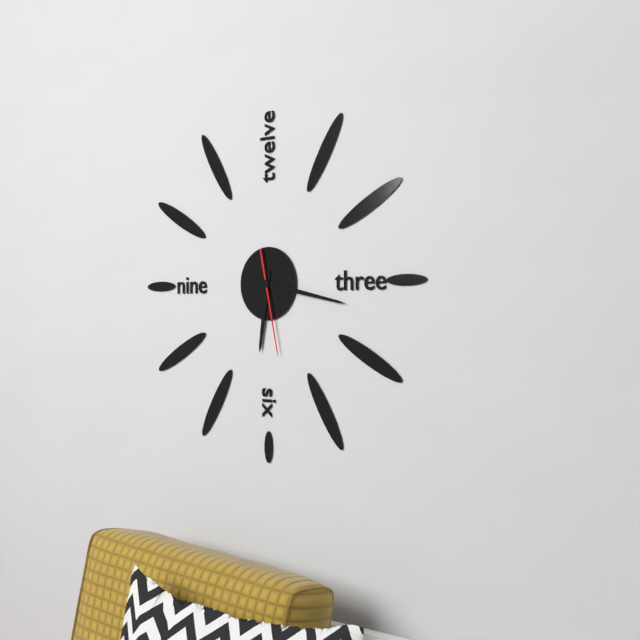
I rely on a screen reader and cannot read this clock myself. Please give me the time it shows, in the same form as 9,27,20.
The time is 6,17,28
